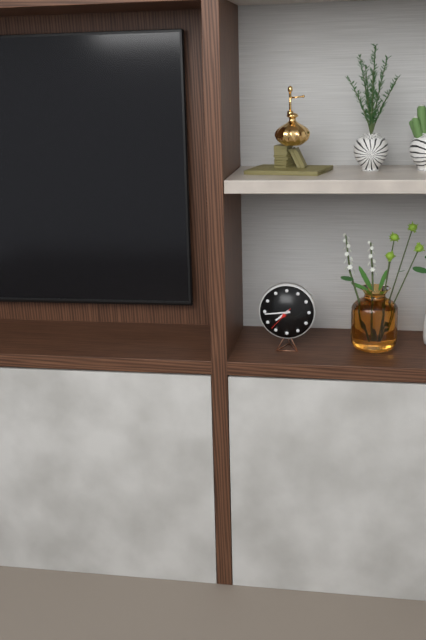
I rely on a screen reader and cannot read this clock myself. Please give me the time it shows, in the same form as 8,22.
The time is 7,44
